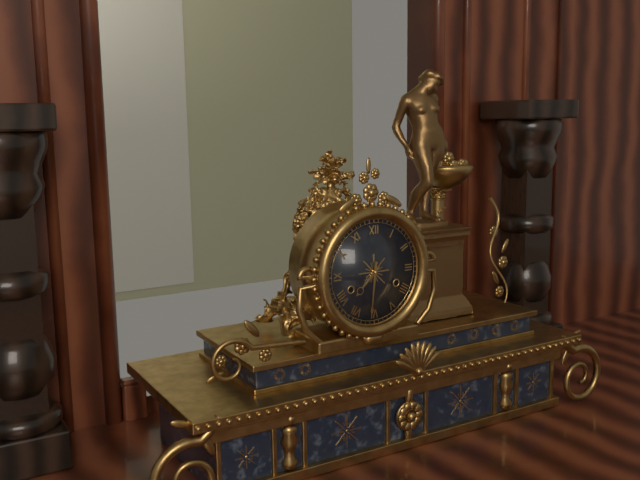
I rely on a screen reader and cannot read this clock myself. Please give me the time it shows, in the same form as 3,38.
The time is 7,31
